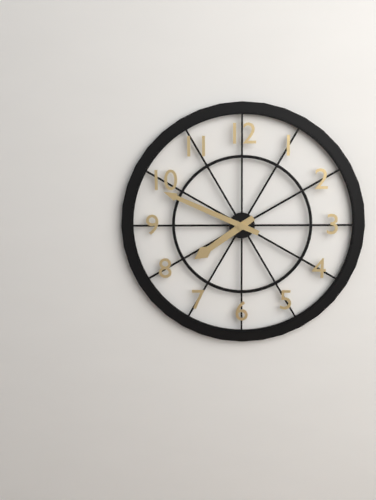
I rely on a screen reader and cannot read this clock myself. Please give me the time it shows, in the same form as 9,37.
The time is 7,49
